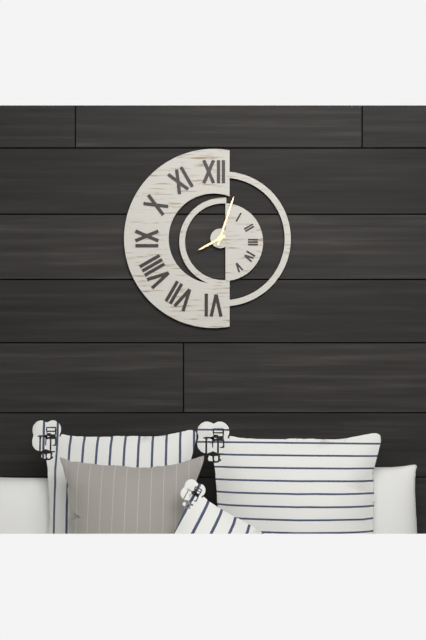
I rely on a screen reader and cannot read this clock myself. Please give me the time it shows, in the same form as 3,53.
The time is 8,03
